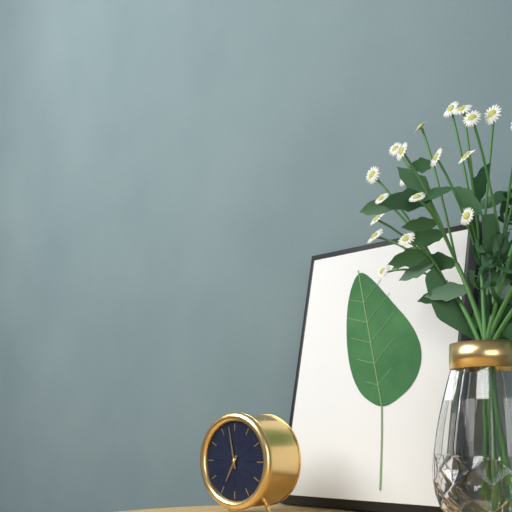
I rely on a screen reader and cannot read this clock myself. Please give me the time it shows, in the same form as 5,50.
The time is 6,58
